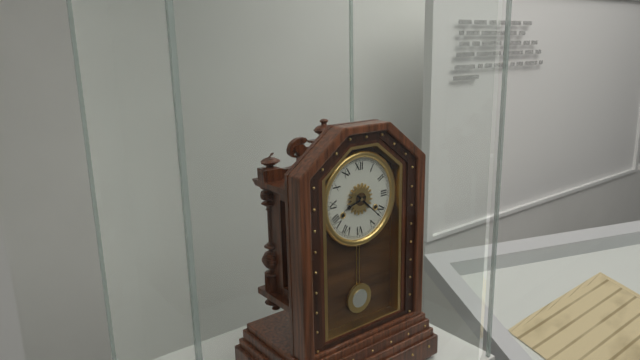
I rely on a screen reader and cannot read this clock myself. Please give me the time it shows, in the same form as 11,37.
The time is 8,22
